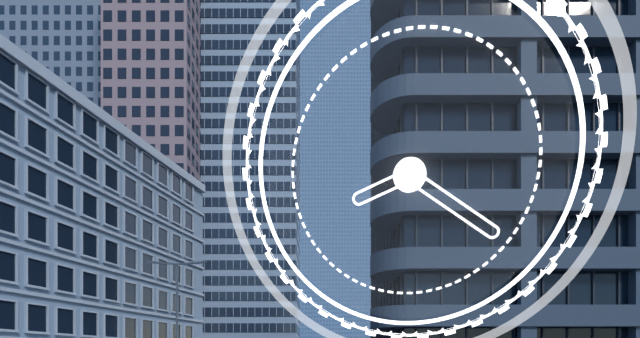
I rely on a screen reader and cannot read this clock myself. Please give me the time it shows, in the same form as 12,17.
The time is 8,21
